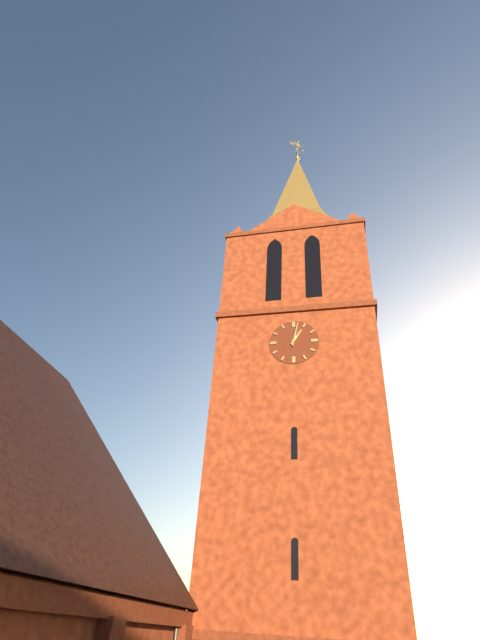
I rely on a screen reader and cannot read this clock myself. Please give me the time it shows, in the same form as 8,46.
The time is 1,02
